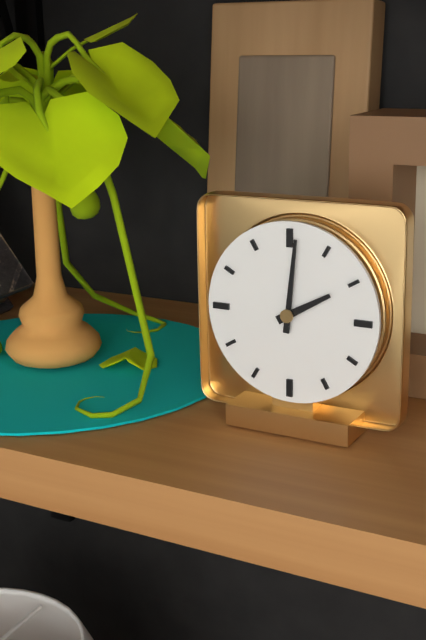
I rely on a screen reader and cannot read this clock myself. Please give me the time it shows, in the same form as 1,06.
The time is 2,01
